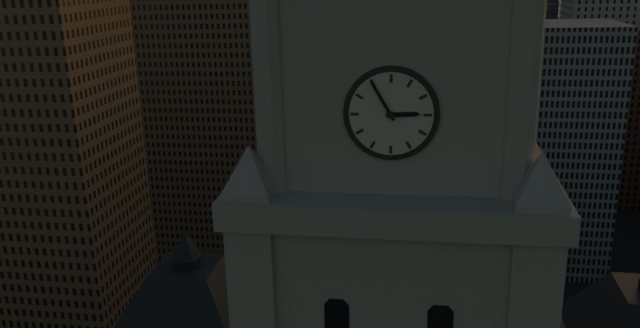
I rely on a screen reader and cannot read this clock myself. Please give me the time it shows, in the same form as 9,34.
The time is 2,55
